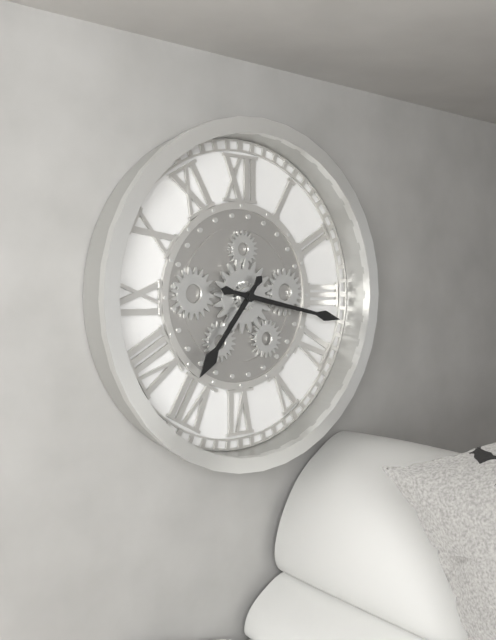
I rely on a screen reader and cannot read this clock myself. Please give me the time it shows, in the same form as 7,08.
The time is 7,17
